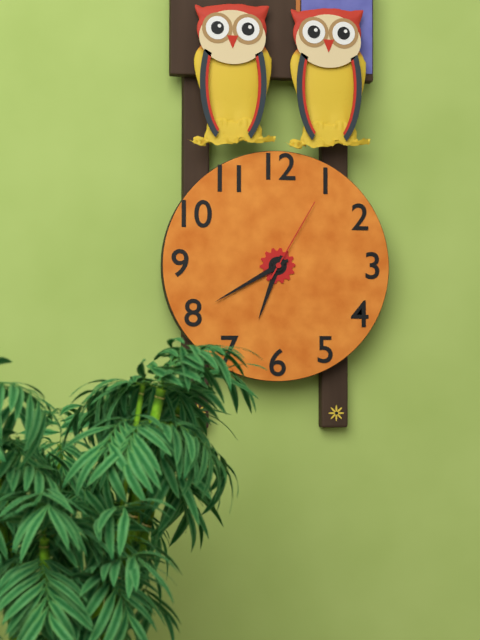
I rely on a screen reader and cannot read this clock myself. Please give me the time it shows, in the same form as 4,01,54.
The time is 6,40,05
